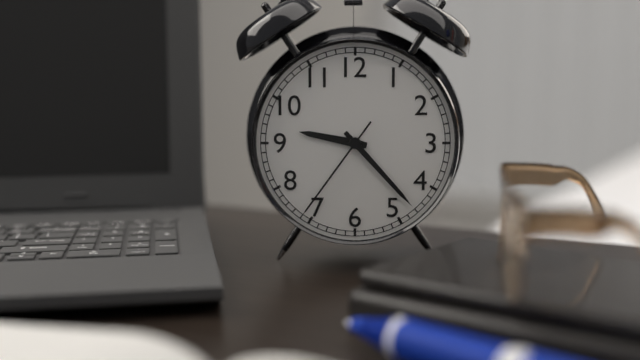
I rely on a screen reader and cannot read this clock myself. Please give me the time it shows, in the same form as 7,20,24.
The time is 9,23,36
